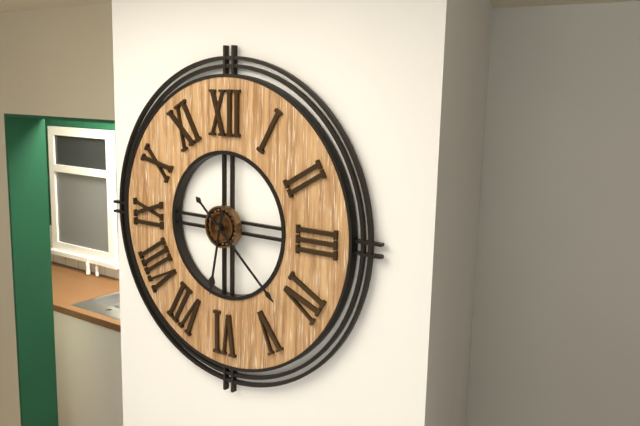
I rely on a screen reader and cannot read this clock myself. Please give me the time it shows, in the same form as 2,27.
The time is 6,22
